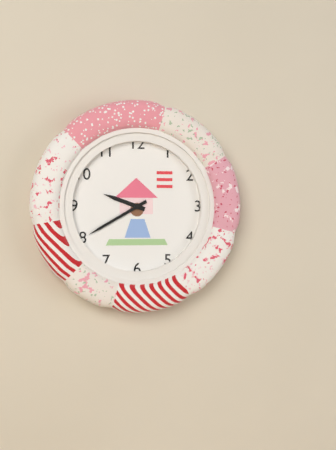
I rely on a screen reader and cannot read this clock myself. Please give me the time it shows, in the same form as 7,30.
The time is 9,40
